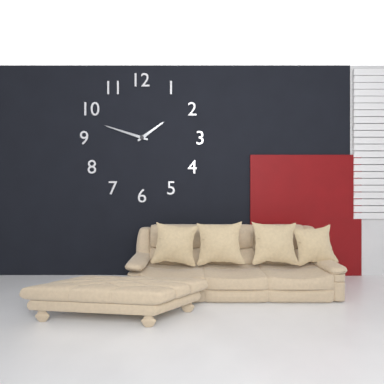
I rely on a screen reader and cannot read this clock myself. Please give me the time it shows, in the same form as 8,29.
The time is 1,48
